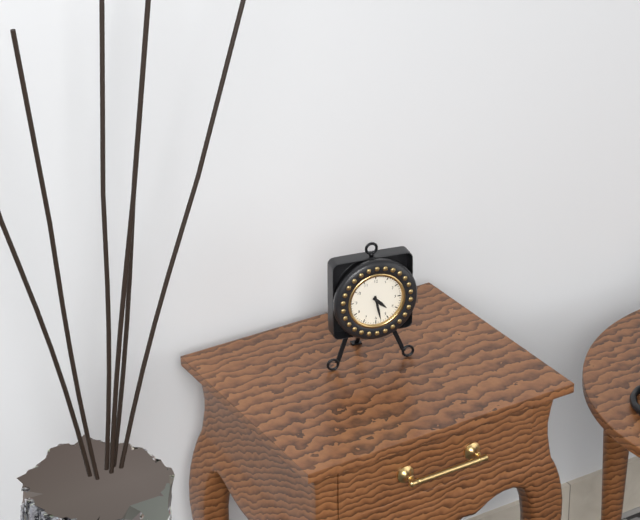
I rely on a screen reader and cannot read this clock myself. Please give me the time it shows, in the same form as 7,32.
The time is 4,28
